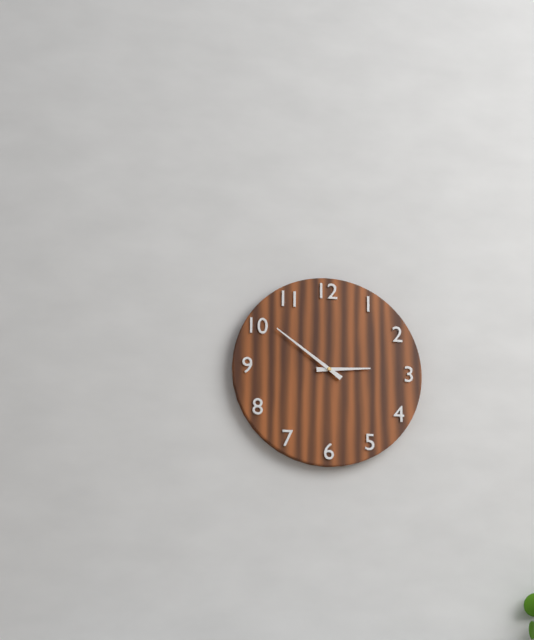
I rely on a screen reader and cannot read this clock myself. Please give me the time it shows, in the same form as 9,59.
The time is 2,51
